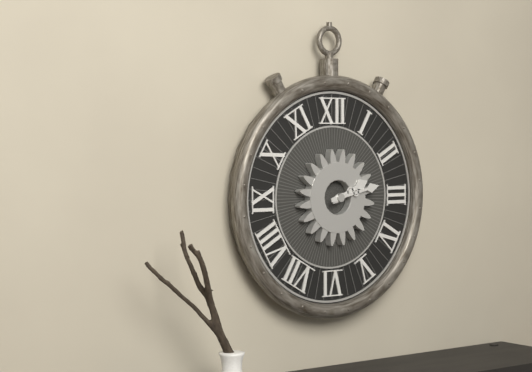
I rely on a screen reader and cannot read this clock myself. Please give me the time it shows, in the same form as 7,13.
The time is 2,13
